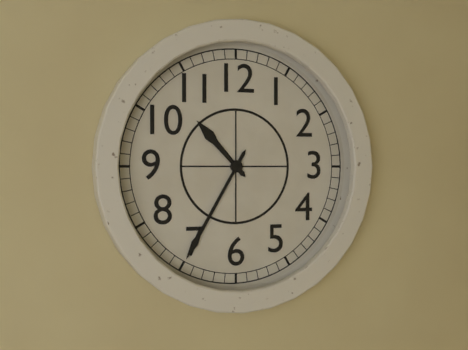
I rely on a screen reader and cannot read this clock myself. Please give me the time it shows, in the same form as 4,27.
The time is 10,35
